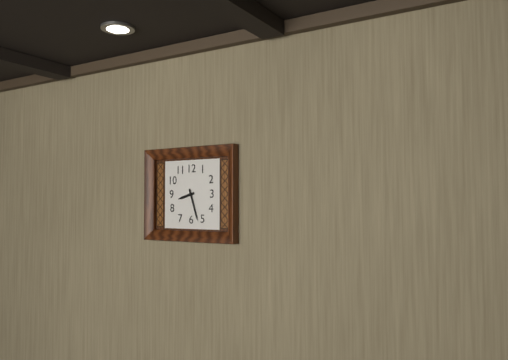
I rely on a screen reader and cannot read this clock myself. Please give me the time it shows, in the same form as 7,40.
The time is 8,27
